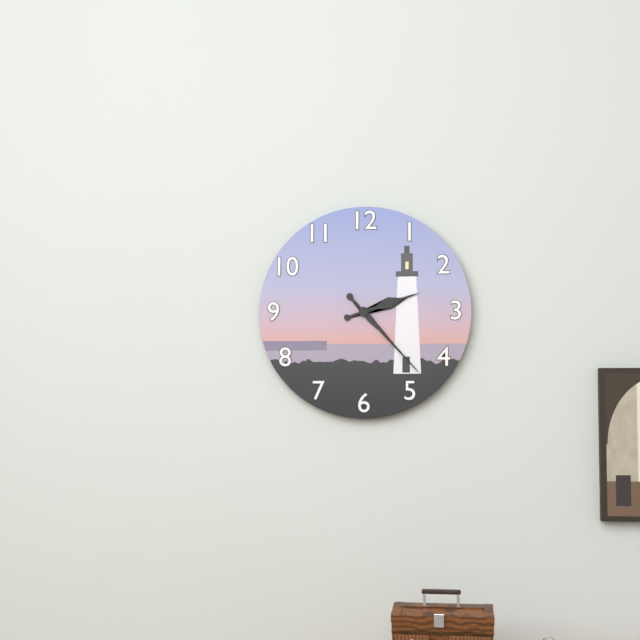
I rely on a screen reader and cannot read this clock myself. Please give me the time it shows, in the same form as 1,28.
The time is 2,23
